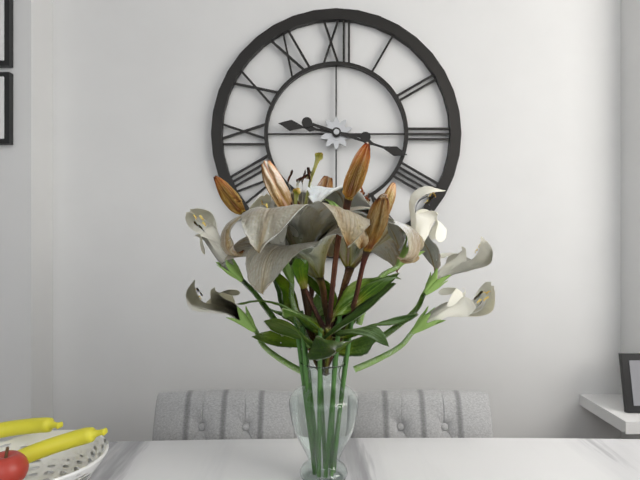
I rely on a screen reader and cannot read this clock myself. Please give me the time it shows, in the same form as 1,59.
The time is 9,18
